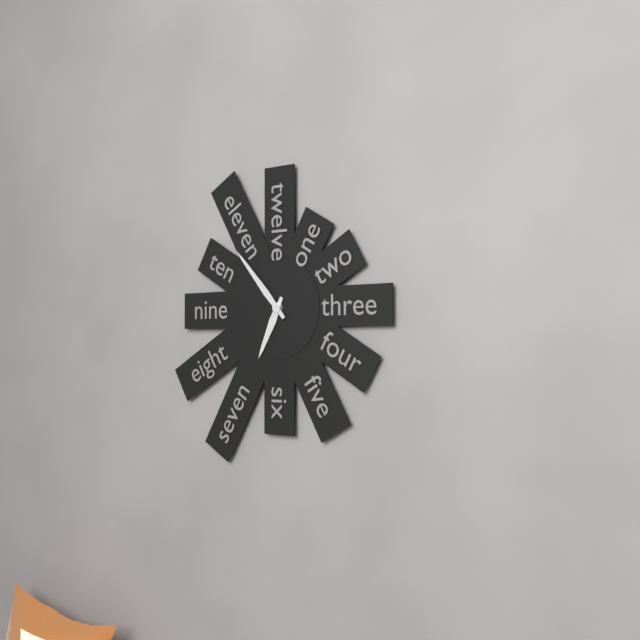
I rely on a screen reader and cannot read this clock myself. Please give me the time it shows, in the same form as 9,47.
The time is 6,53
